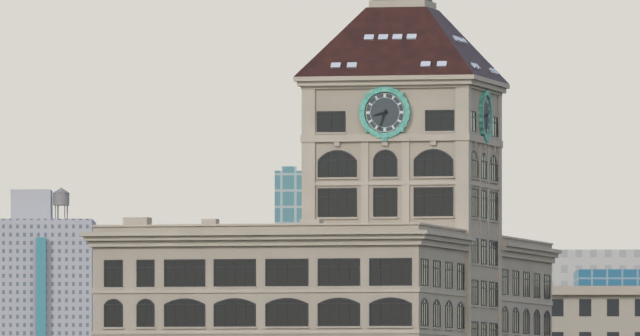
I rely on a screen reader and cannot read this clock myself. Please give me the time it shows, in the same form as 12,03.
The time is 8,33
